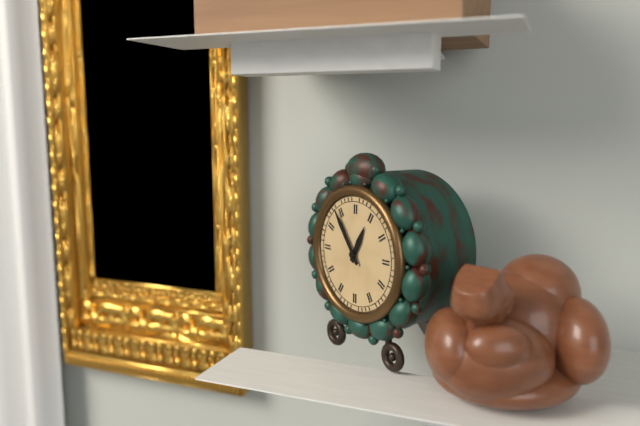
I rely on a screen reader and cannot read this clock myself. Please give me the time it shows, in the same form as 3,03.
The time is 12,54
